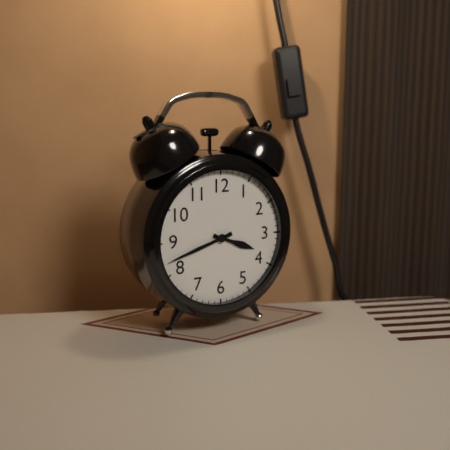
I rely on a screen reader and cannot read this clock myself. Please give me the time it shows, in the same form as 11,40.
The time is 3,42
